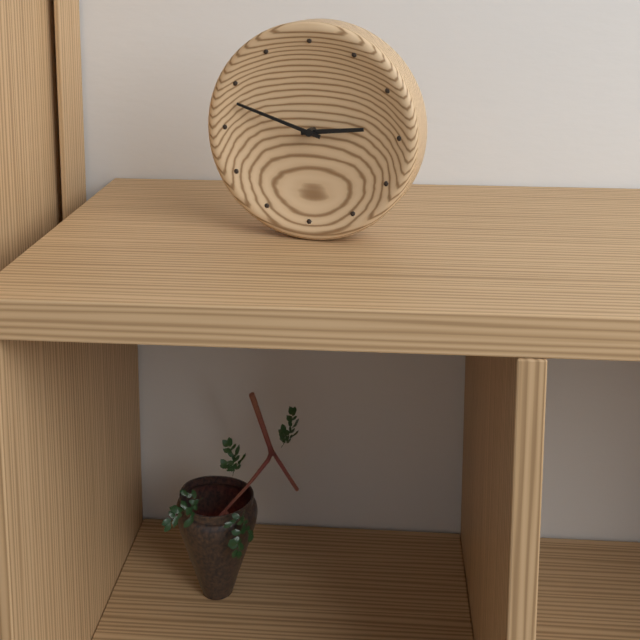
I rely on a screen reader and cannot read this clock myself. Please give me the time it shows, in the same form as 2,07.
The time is 2,48
